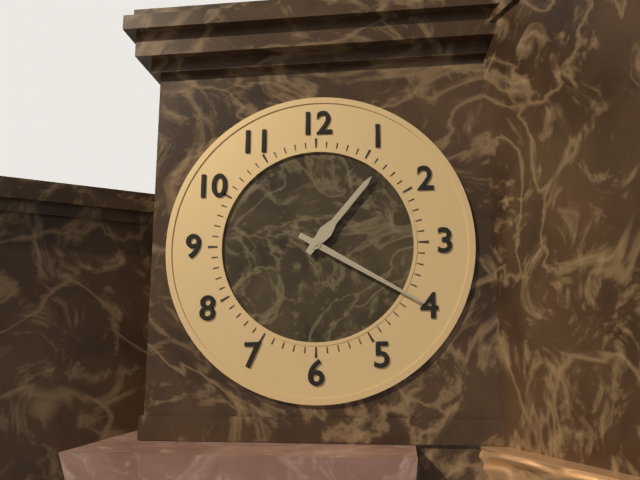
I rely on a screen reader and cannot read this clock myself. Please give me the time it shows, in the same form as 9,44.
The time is 1,20
